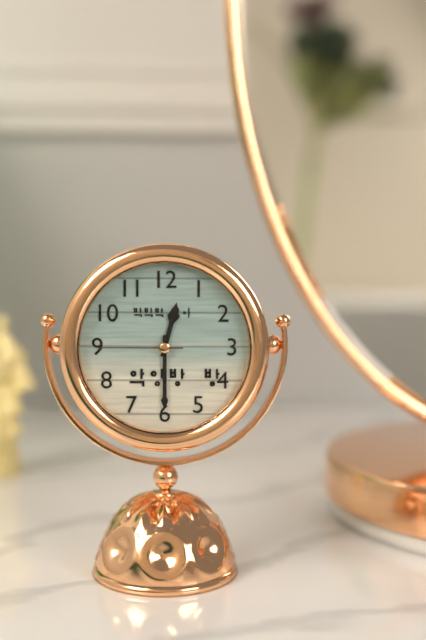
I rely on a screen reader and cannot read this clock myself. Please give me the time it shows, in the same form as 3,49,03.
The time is 12,30,45
